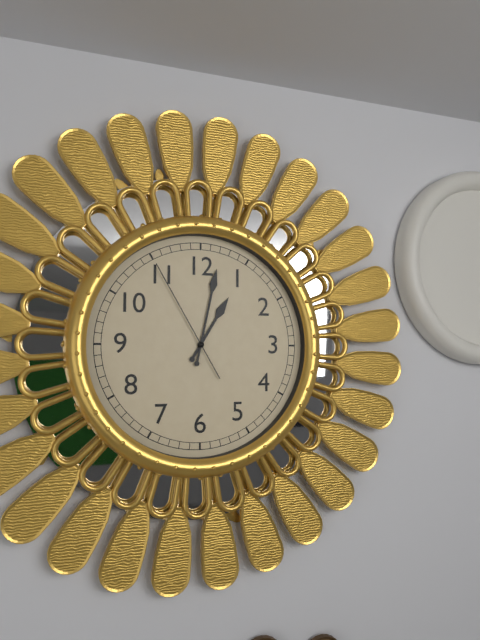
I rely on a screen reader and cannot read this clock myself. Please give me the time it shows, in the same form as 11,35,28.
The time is 1,02,55
